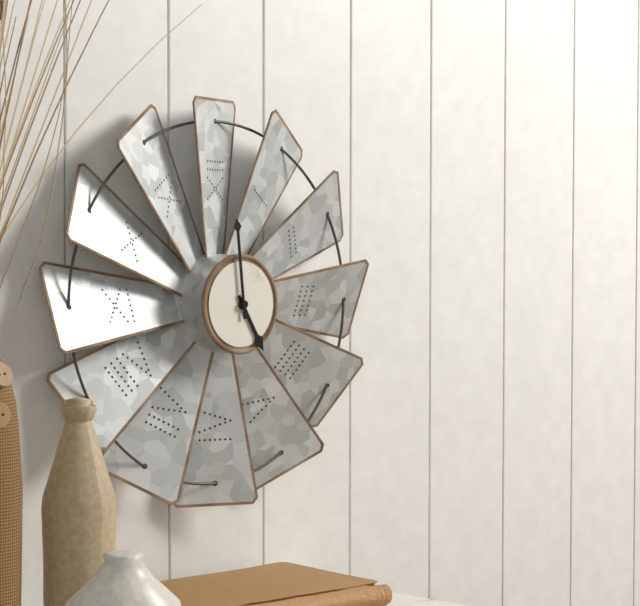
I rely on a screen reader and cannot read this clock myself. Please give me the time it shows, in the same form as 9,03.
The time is 4,59
